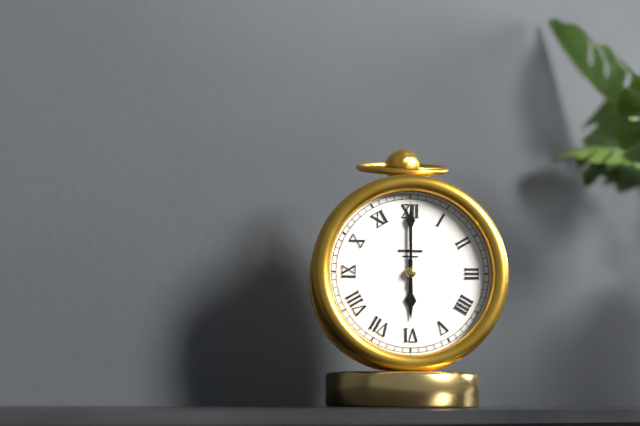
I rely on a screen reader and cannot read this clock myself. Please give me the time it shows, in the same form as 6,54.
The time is 6,00
